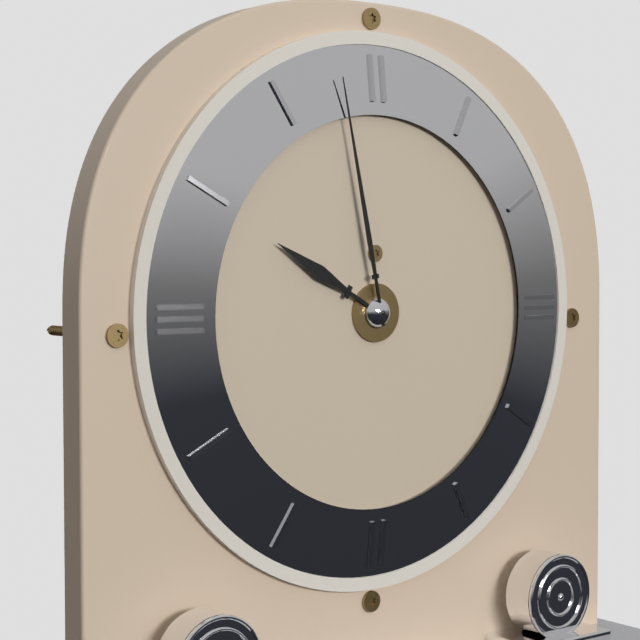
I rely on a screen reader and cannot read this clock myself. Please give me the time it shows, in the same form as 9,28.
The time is 9,58
